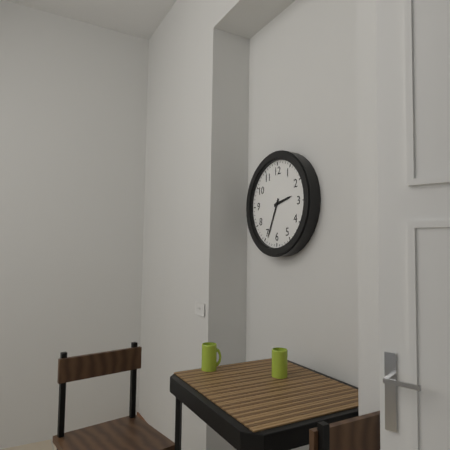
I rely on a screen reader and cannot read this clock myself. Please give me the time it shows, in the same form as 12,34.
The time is 2,34
